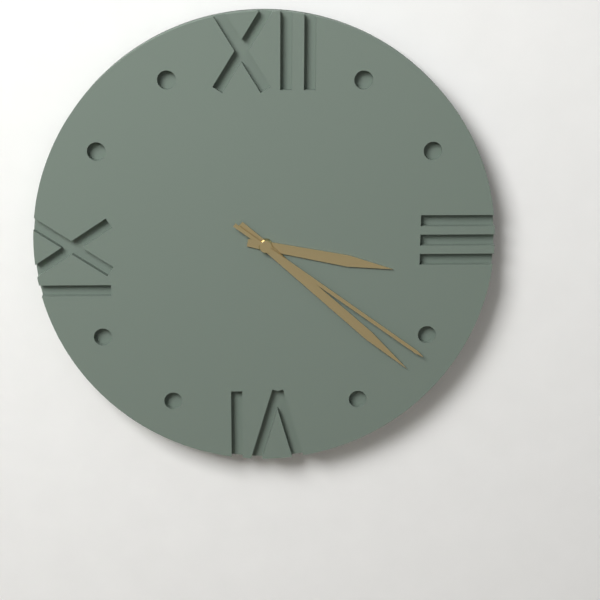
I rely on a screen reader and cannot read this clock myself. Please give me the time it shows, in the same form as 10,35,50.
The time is 3,22,21
